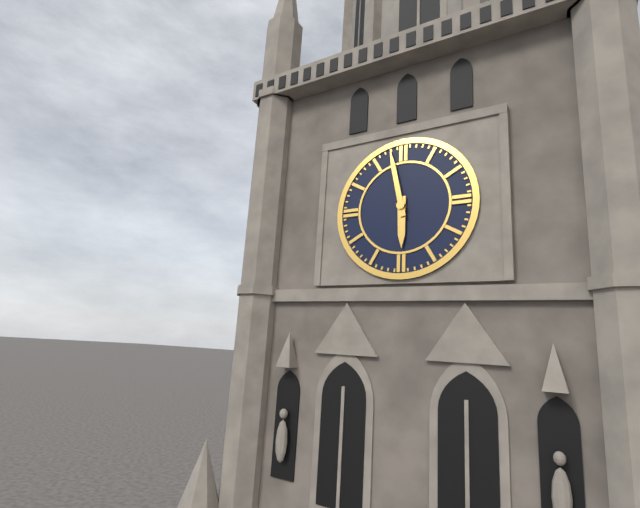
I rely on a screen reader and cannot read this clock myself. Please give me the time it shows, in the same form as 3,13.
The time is 5,58
